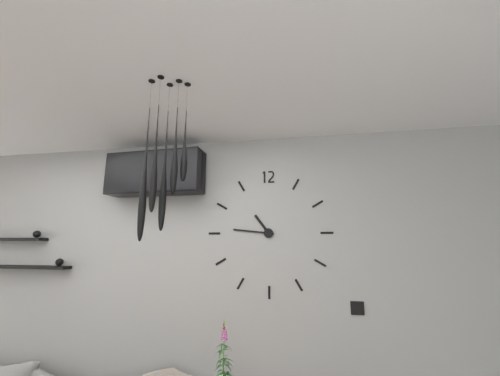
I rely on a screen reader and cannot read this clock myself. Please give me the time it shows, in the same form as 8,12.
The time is 10,46
